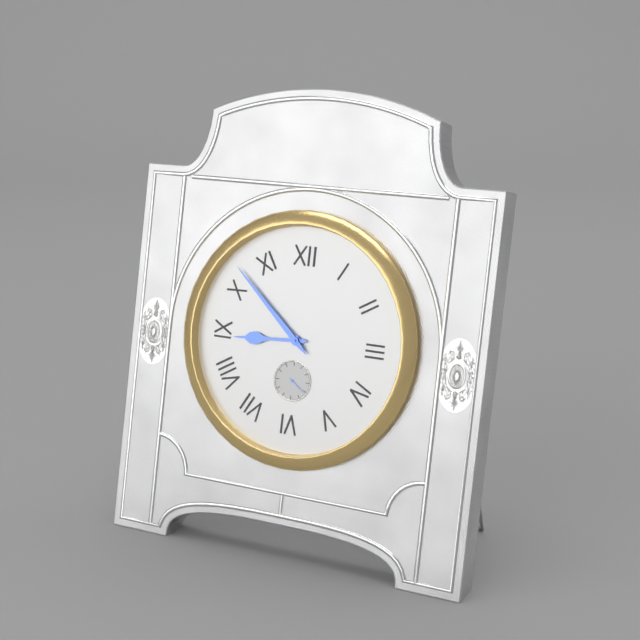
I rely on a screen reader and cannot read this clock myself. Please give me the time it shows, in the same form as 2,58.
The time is 8,52
